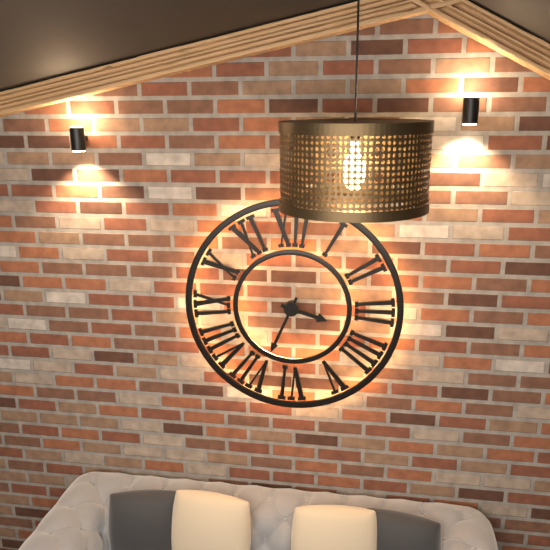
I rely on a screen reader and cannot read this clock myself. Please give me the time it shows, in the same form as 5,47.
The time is 3,34
